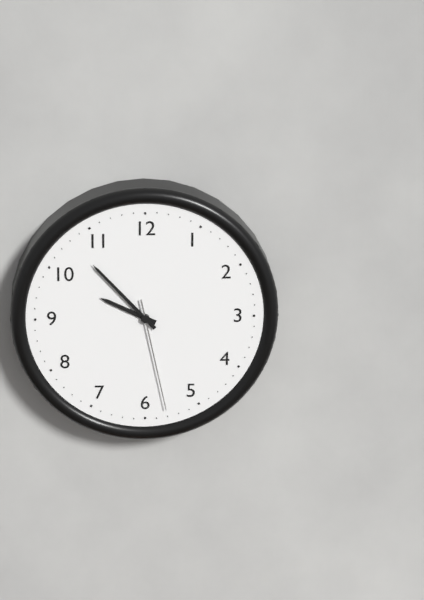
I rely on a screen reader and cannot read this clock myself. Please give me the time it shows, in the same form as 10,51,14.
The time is 9,53,28
